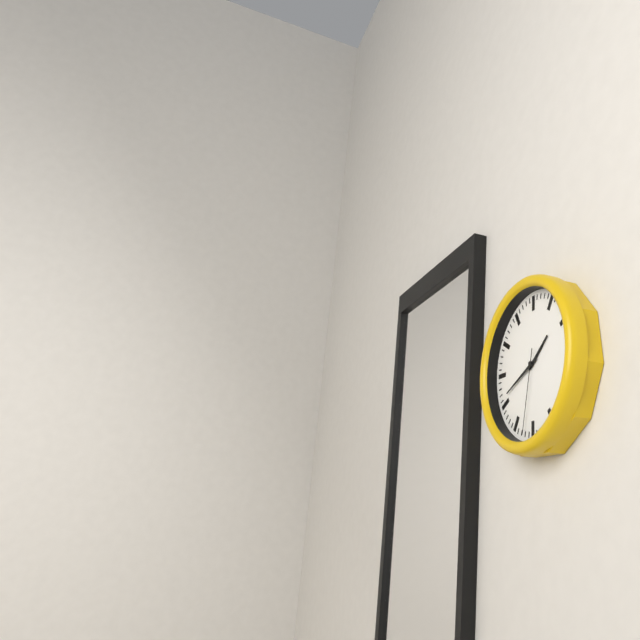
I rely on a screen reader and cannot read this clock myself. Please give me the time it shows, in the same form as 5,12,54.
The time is 1,41,32
